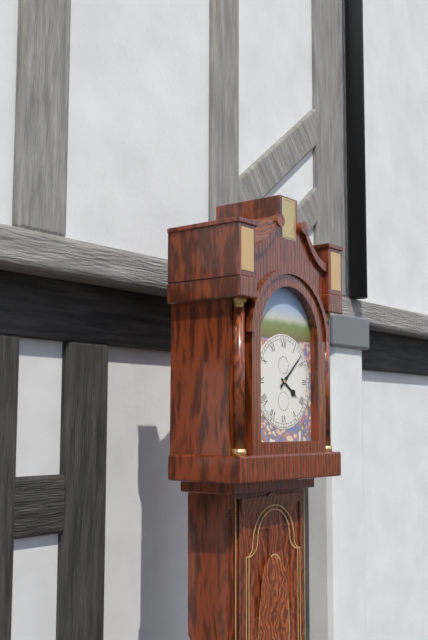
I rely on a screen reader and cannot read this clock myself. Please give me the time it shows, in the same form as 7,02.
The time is 4,08
